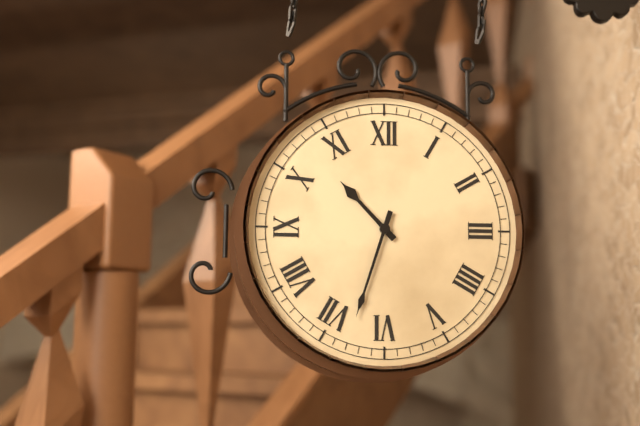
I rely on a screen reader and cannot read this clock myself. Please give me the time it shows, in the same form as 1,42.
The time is 10,33
